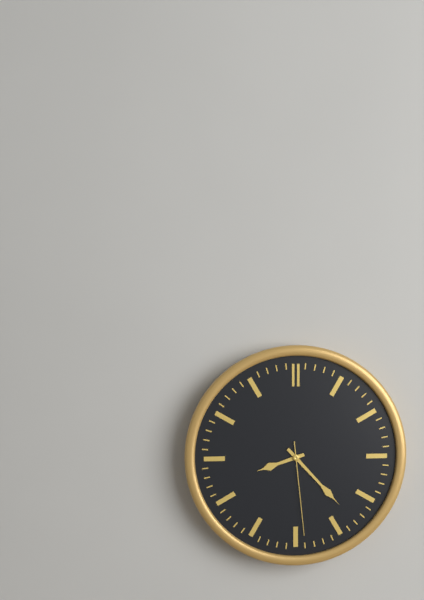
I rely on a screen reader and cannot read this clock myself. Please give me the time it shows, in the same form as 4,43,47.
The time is 8,23,29
